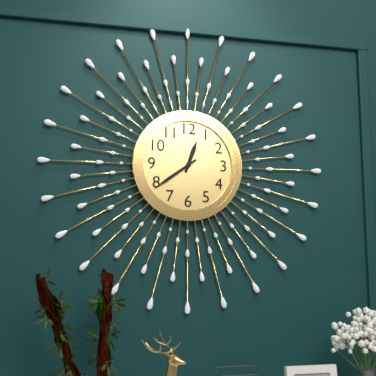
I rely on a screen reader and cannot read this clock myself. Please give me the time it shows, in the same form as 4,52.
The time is 12,39
